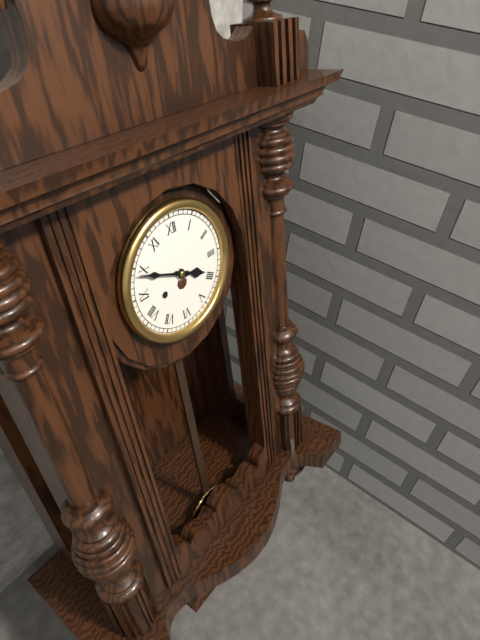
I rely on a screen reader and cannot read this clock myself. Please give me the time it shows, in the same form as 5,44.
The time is 3,49
